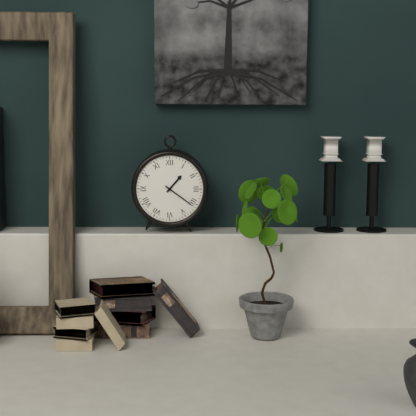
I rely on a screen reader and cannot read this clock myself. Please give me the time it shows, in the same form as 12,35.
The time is 1,21
